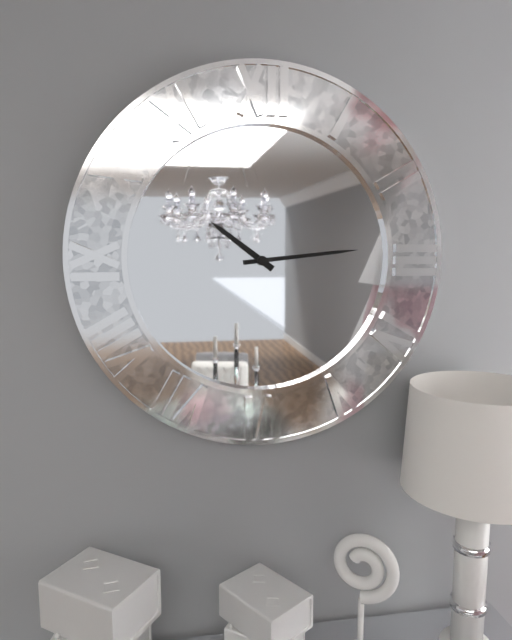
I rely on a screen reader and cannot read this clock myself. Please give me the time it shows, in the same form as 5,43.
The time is 10,14
